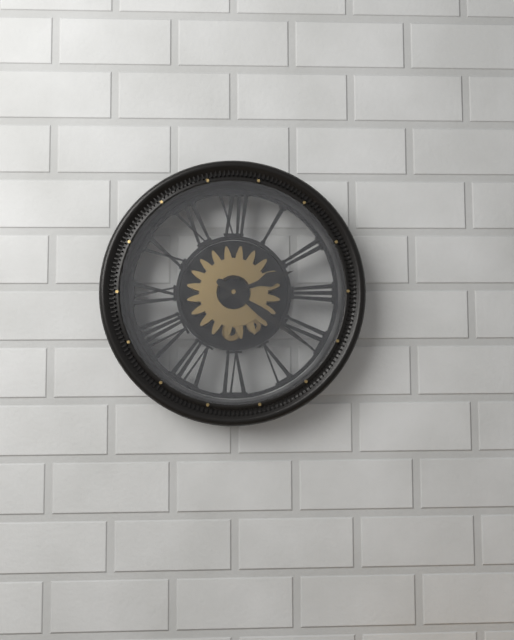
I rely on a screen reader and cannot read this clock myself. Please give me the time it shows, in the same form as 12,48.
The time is 2,21
